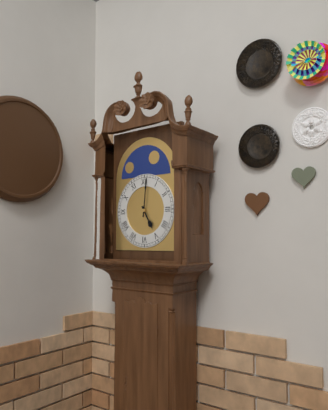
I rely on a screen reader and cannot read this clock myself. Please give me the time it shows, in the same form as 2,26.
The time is 5,01
